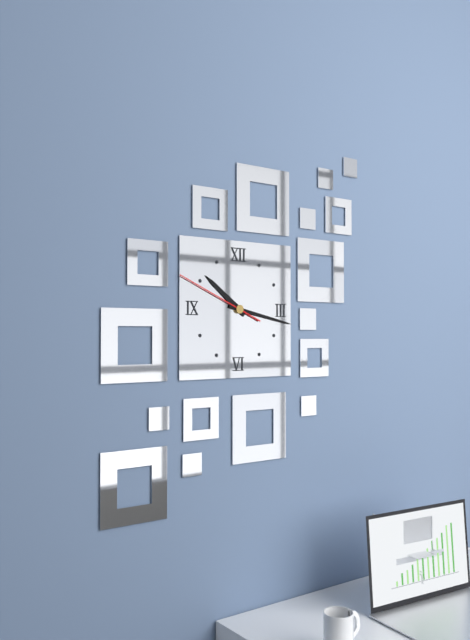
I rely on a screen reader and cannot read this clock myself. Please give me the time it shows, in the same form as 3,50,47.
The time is 10,17,49
